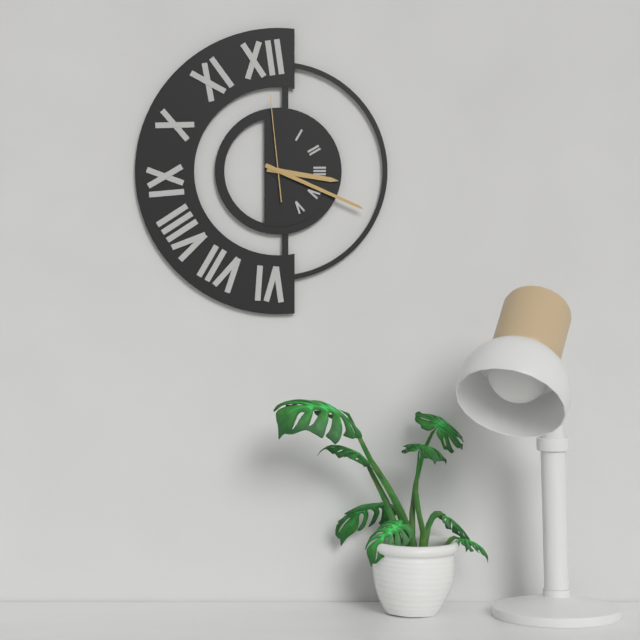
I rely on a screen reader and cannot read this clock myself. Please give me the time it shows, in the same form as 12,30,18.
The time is 3,19,59
